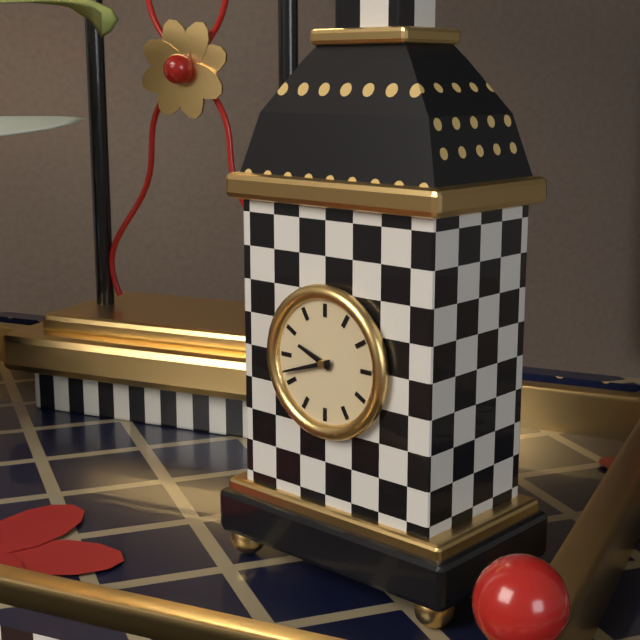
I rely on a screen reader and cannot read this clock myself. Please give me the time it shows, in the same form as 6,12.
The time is 9,42
